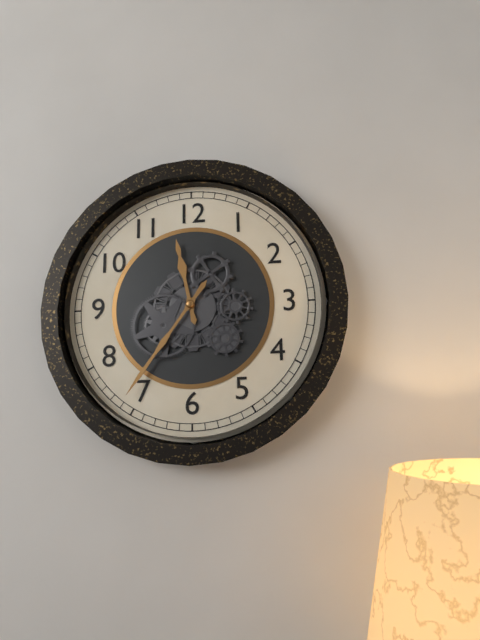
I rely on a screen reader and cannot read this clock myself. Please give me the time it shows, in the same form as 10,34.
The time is 11,36
